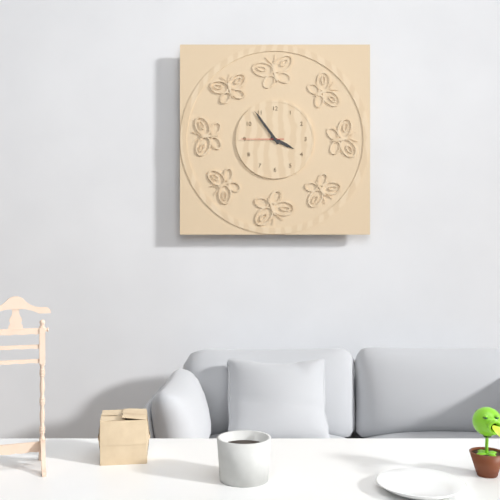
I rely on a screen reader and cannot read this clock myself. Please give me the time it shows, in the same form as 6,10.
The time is 3,54
